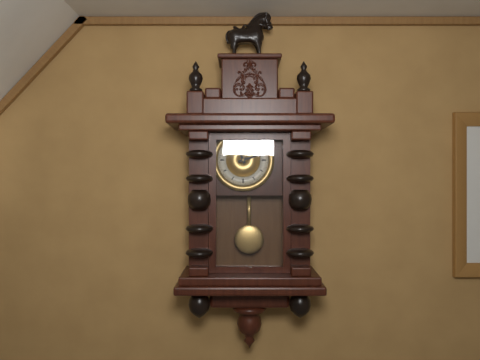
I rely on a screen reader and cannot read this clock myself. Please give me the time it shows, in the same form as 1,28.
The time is 11,12
